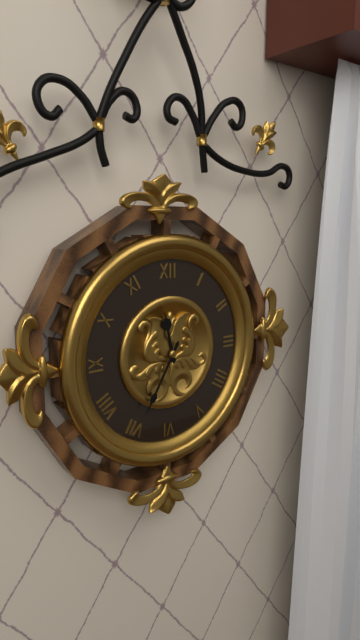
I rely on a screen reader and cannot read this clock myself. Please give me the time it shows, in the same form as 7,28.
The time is 11,35
